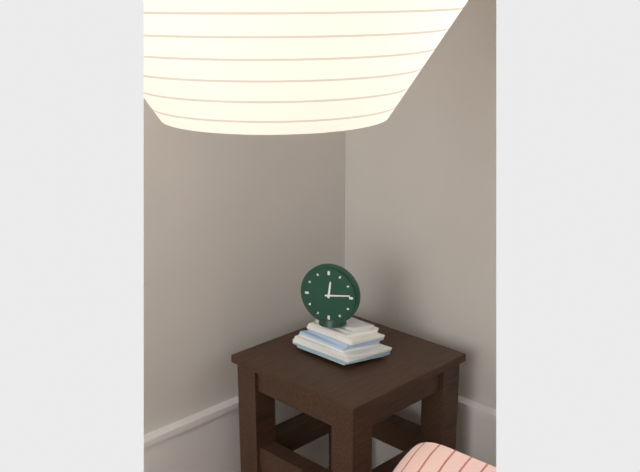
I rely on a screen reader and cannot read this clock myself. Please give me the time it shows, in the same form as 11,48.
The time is 12,14
